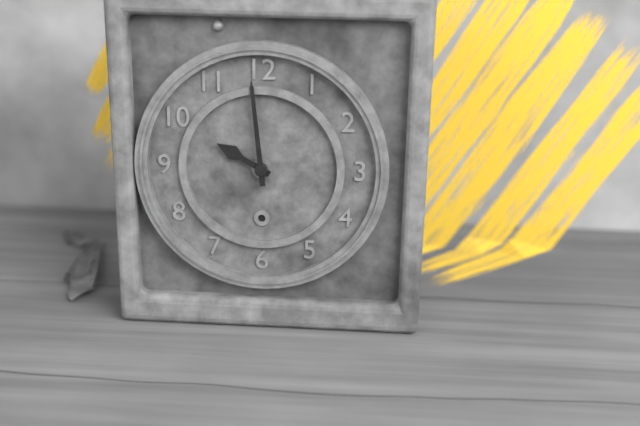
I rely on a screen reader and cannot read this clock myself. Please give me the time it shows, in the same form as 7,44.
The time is 9,59
